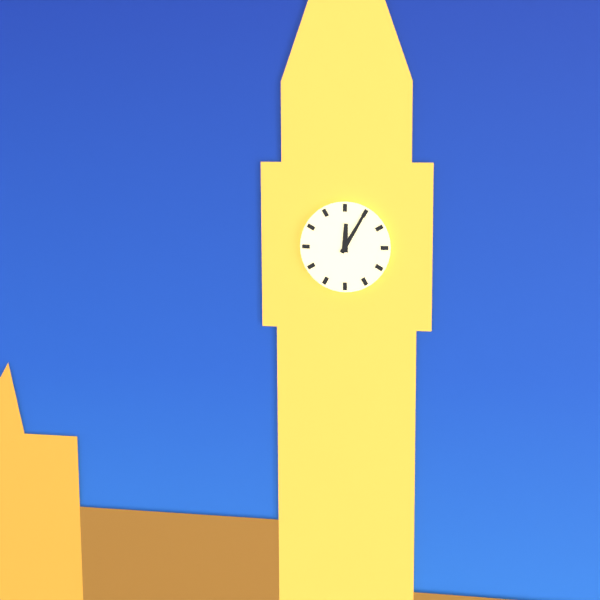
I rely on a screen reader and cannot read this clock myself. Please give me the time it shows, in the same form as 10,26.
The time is 12,05
